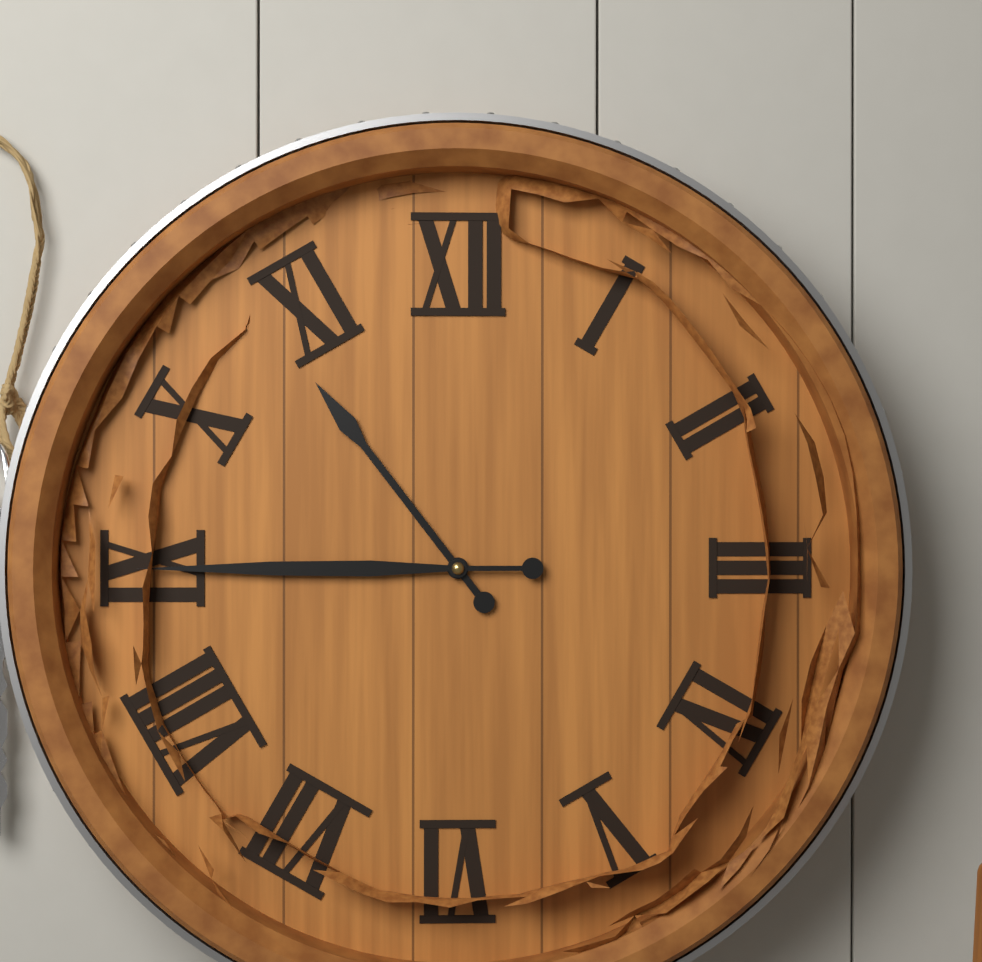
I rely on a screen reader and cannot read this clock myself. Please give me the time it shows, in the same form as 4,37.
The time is 10,45
